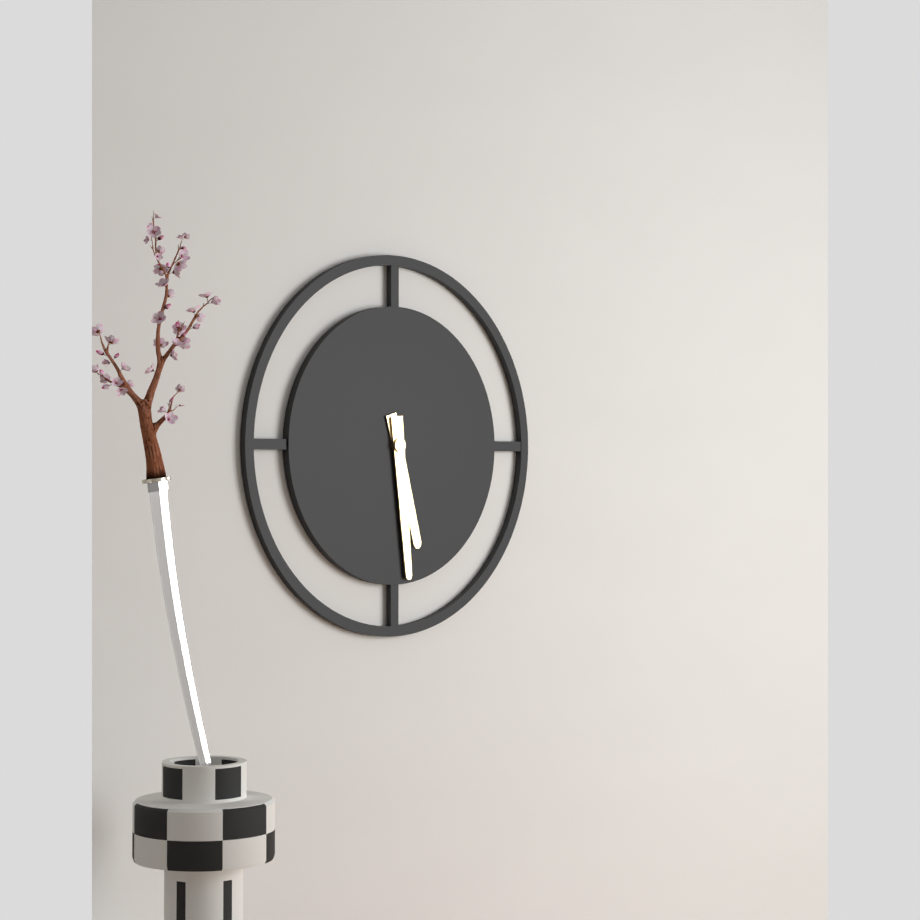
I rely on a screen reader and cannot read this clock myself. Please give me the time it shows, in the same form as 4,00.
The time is 5,29
